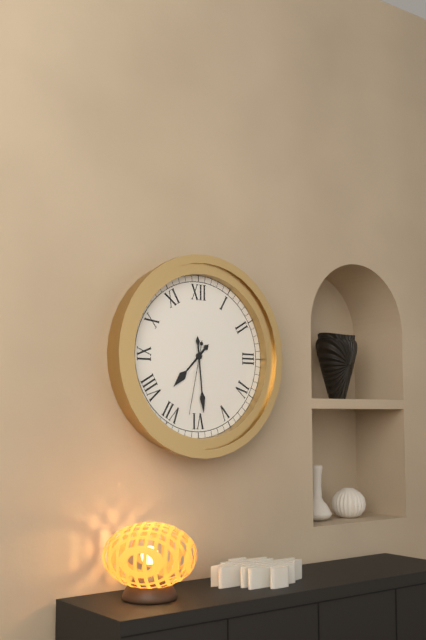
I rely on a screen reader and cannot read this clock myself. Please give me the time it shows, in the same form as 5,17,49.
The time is 7,29,32
